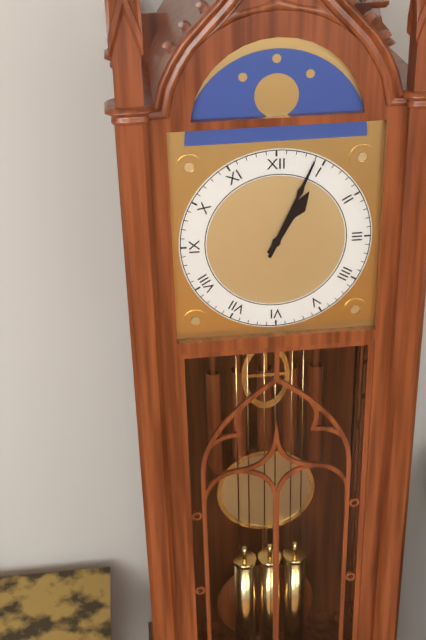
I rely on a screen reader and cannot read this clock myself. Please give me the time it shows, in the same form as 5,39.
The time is 1,04
